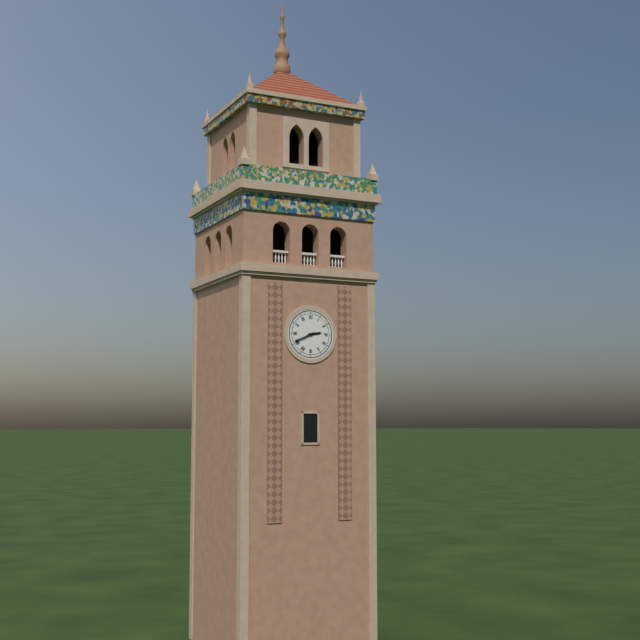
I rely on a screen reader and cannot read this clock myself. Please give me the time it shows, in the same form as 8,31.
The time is 2,41
